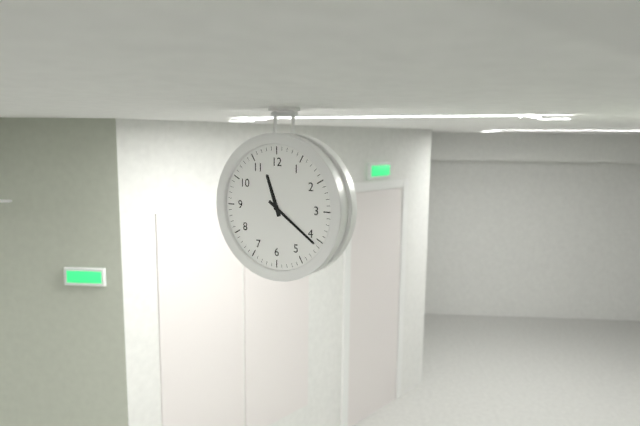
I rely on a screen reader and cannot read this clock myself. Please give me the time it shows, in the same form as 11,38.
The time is 11,21
